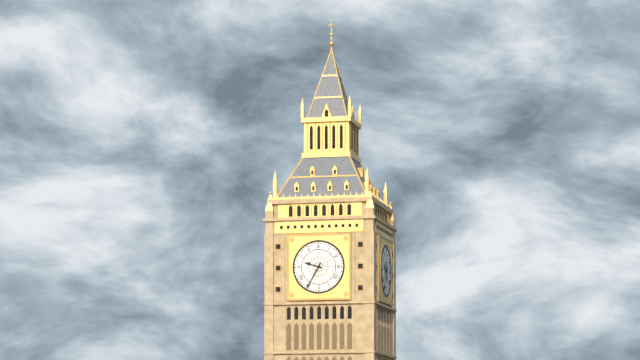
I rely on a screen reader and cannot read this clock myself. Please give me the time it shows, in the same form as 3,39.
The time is 9,35
